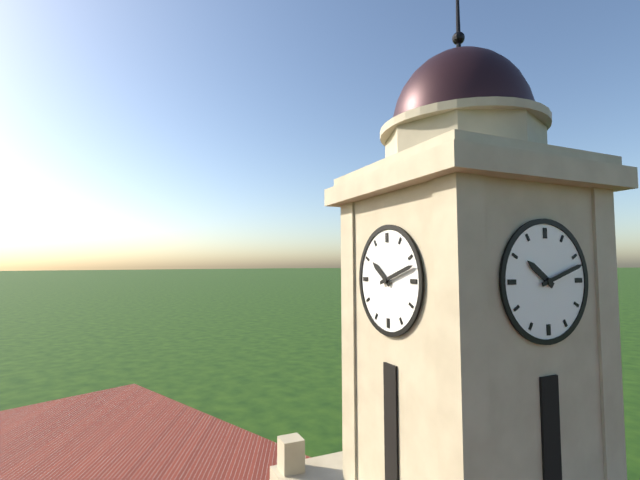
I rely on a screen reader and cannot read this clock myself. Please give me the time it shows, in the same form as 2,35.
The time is 10,12
